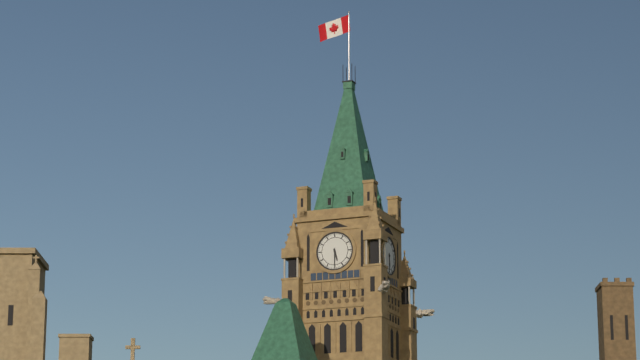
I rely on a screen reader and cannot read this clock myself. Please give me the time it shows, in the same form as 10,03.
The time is 5,30
